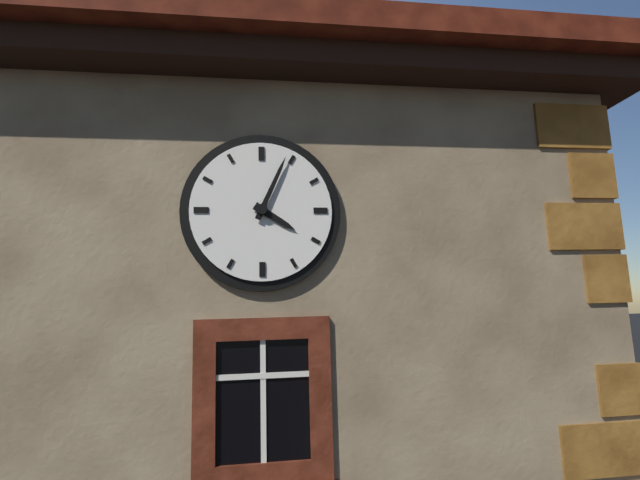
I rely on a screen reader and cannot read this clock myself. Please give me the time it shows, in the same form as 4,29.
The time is 4,04
